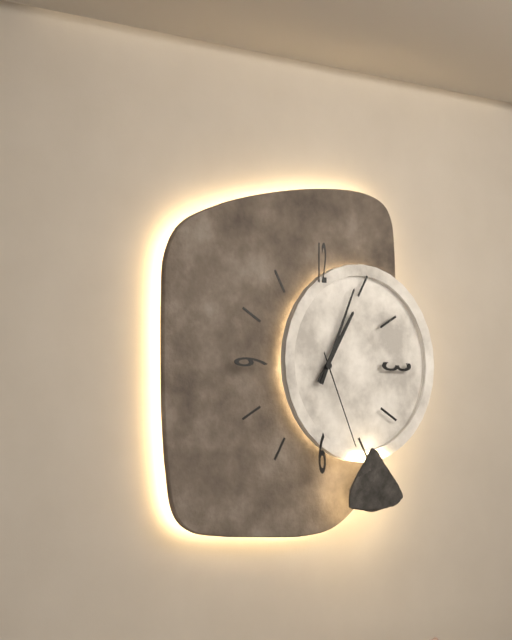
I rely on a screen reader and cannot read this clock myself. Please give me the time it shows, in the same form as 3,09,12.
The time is 1,04,26
